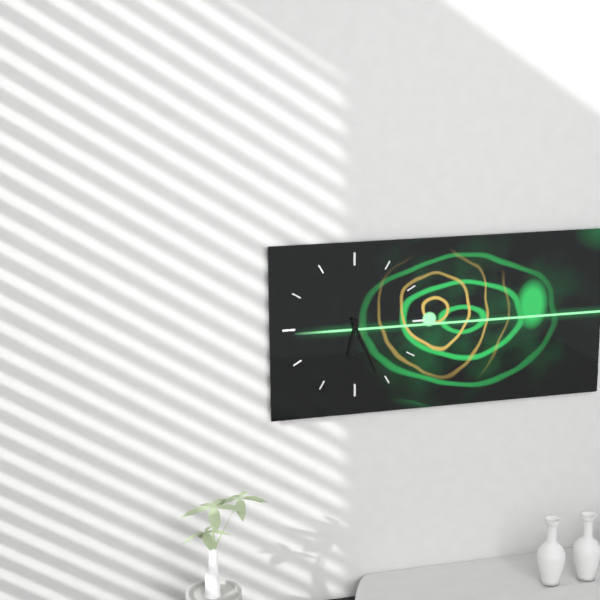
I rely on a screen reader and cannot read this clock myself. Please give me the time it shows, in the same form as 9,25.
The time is 6,26
